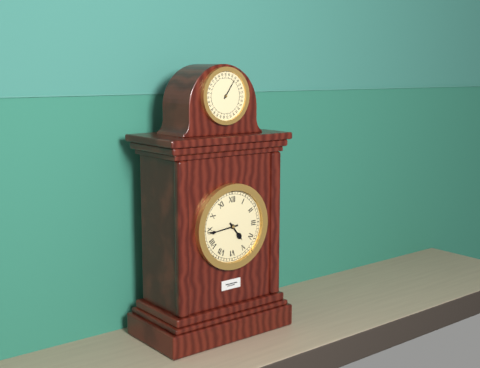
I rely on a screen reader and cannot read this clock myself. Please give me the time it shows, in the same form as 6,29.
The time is 4,44
